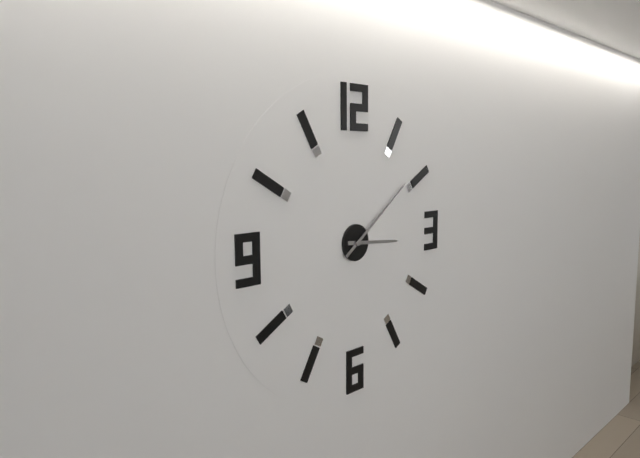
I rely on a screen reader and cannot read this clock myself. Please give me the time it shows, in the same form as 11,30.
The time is 3,09
